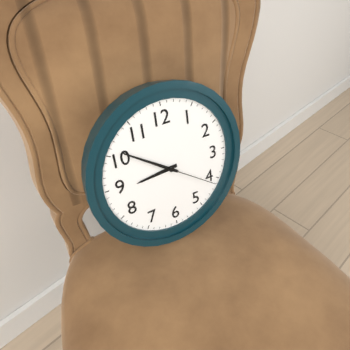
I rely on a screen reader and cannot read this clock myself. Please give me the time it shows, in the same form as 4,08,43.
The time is 8,51,21
